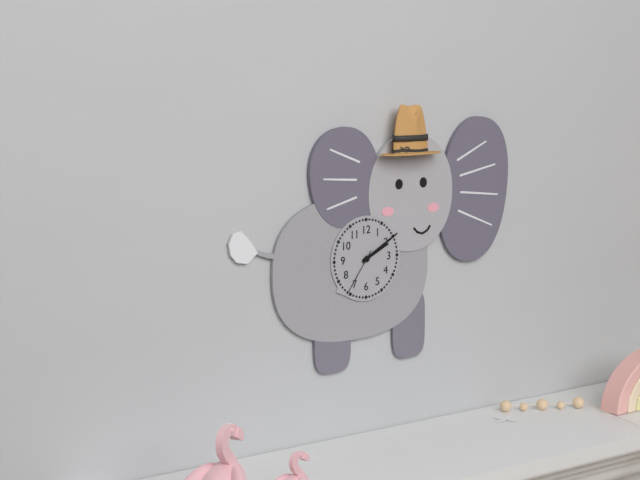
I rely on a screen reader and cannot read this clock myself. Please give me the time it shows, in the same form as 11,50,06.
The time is 2,10,36
